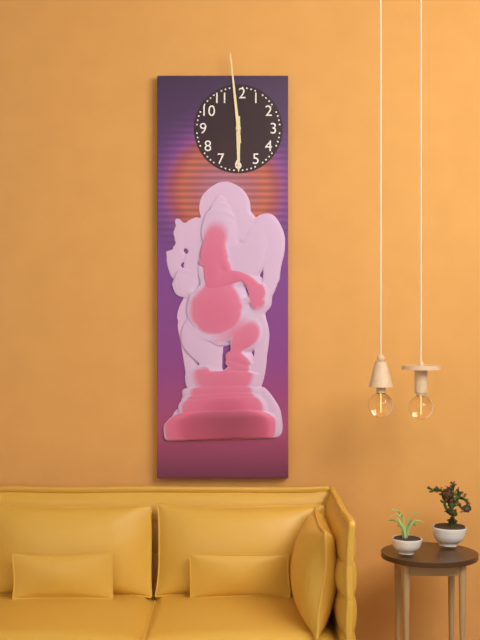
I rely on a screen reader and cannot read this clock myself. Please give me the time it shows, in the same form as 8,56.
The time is 5,59
